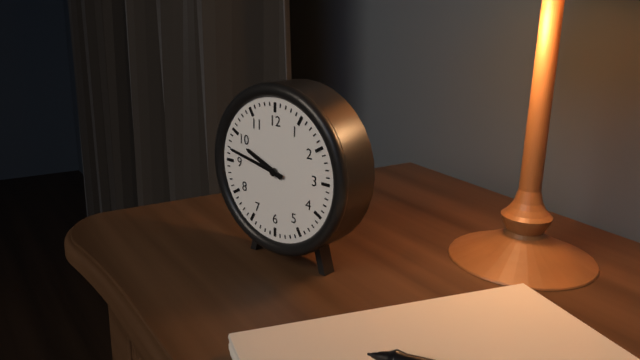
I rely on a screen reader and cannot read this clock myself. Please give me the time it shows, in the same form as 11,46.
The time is 9,47
